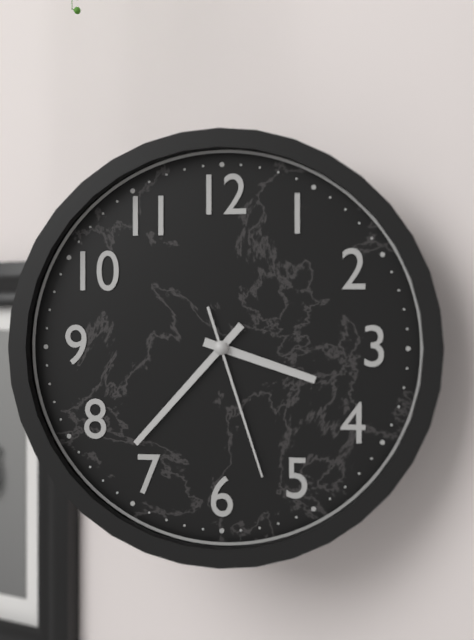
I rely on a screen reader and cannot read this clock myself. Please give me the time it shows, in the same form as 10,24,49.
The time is 3,37,27
